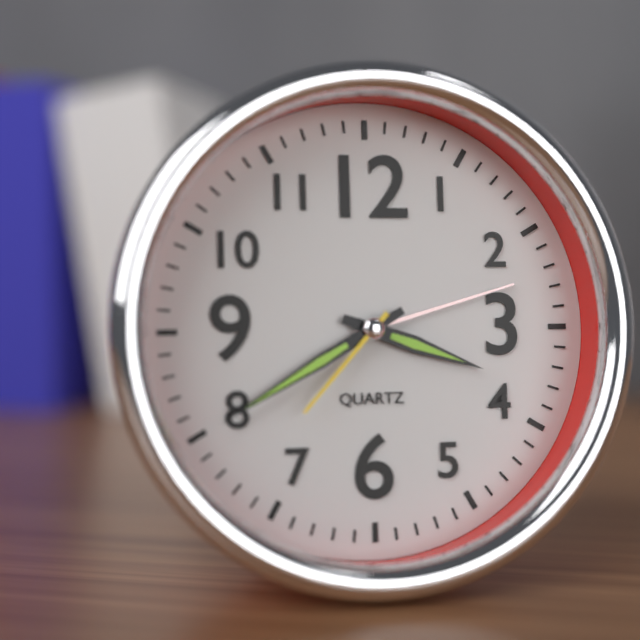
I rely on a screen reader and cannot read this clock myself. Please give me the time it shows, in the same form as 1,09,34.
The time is 3,40,37
